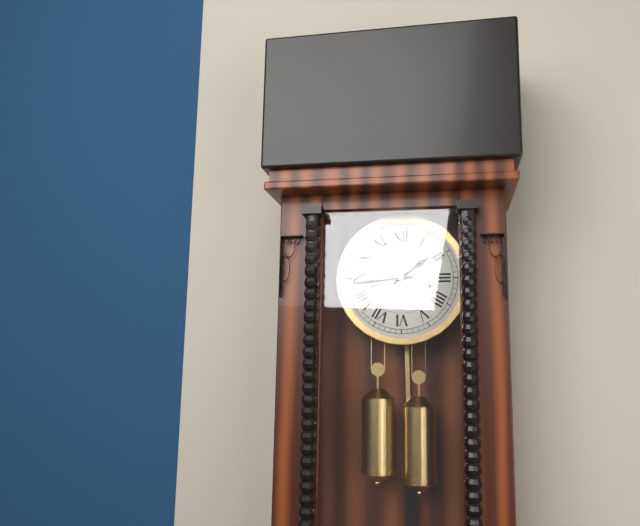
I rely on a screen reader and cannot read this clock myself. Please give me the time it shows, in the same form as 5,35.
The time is 1,44
